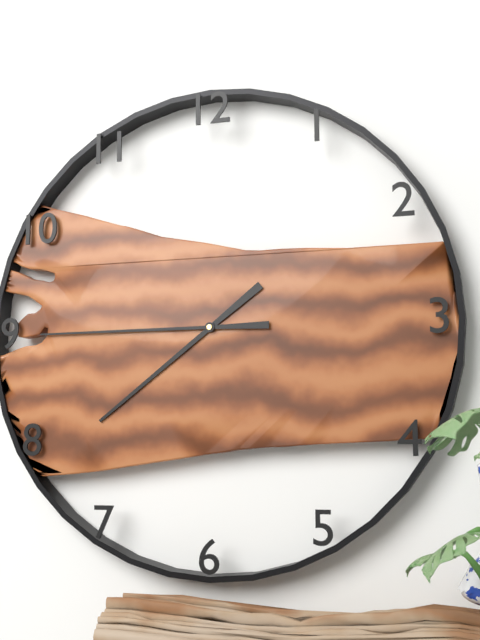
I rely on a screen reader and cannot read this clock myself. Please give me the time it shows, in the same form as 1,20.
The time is 7,45
